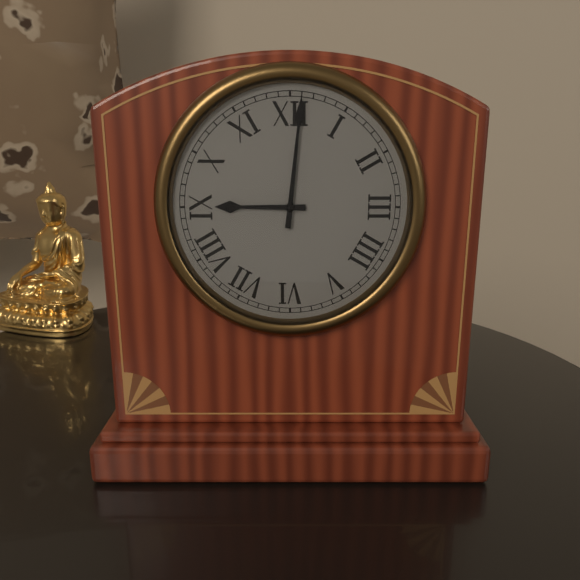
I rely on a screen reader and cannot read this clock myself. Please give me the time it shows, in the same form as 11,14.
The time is 9,01
